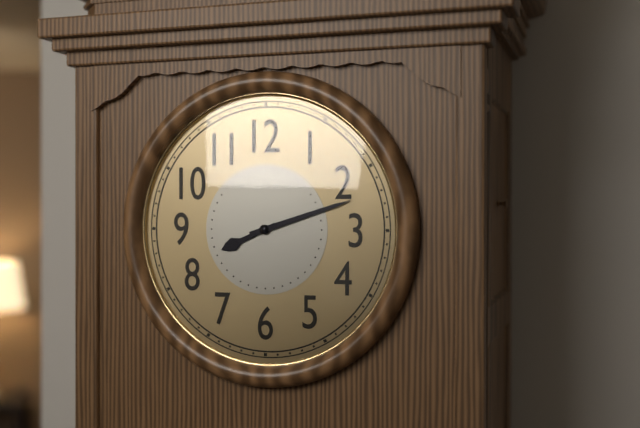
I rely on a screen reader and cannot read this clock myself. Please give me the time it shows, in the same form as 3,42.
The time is 8,12
